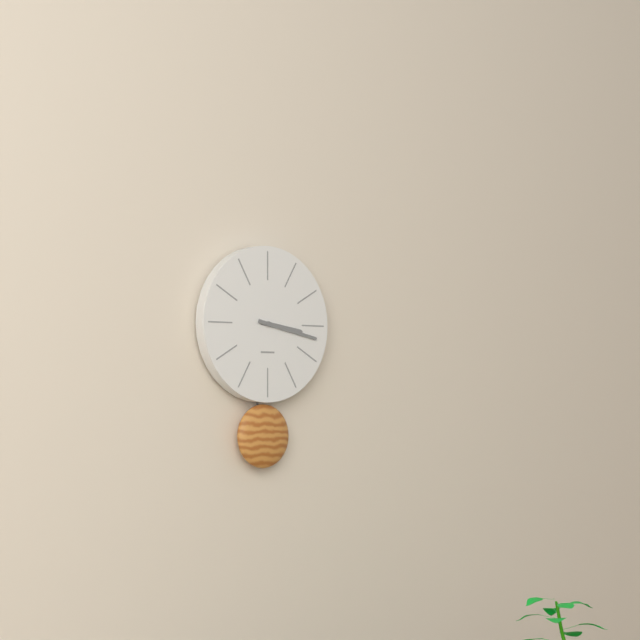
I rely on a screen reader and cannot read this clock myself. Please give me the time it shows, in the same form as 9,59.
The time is 3,17
